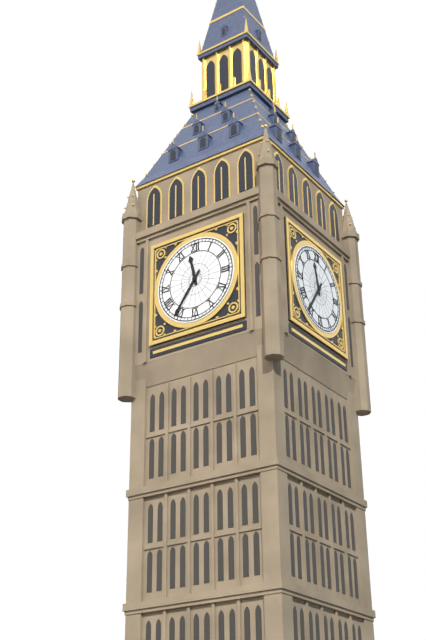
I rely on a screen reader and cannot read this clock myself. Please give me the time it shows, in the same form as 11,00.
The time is 11,36
